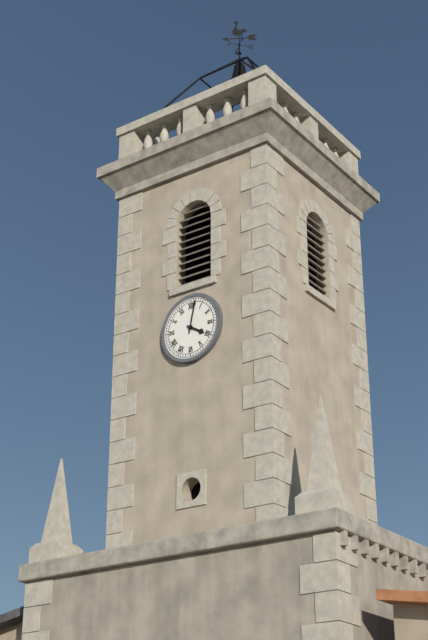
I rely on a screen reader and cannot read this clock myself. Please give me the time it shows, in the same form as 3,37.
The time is 4,02
